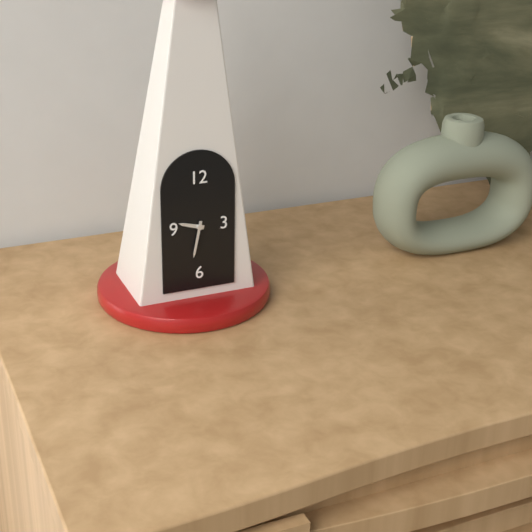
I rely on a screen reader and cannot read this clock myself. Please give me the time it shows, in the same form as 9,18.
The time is 9,32
